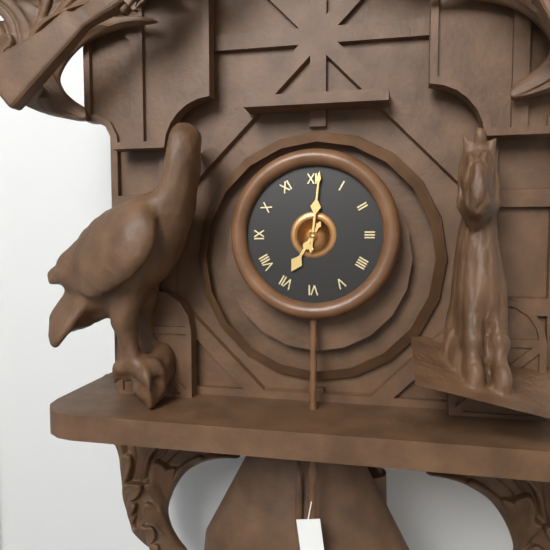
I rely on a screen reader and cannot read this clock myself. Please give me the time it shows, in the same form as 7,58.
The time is 7,01
